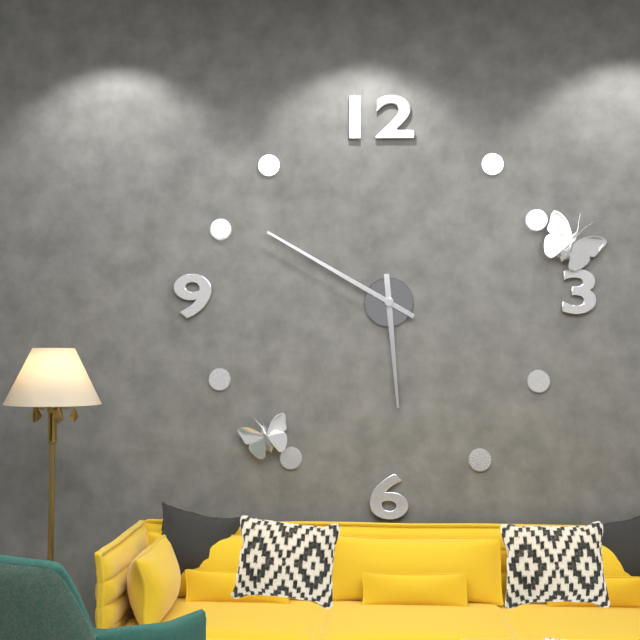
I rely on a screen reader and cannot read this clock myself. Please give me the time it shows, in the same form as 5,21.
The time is 5,50
